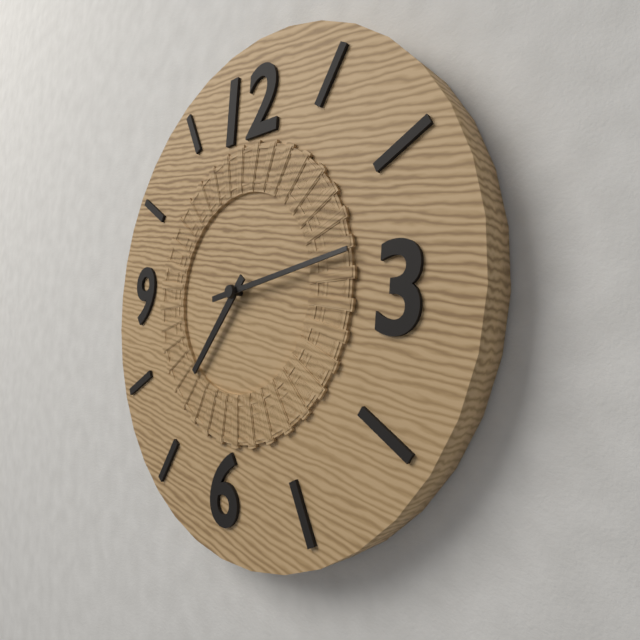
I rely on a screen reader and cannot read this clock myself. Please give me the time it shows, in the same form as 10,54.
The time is 7,13
